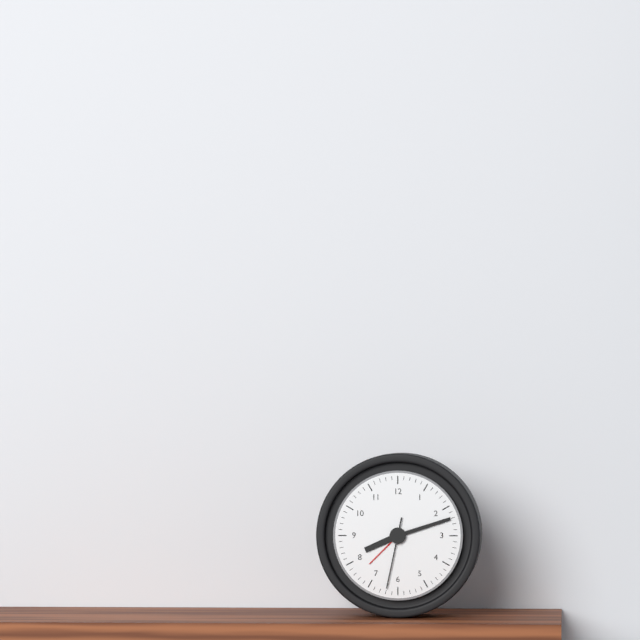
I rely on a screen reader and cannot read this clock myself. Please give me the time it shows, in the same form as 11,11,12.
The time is 8,12,32
